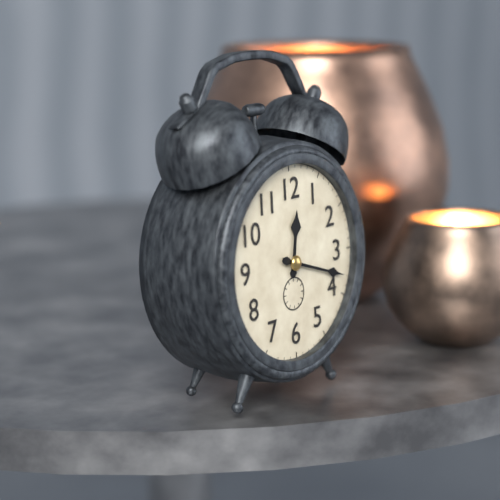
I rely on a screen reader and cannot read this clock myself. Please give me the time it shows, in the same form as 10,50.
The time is 12,18
